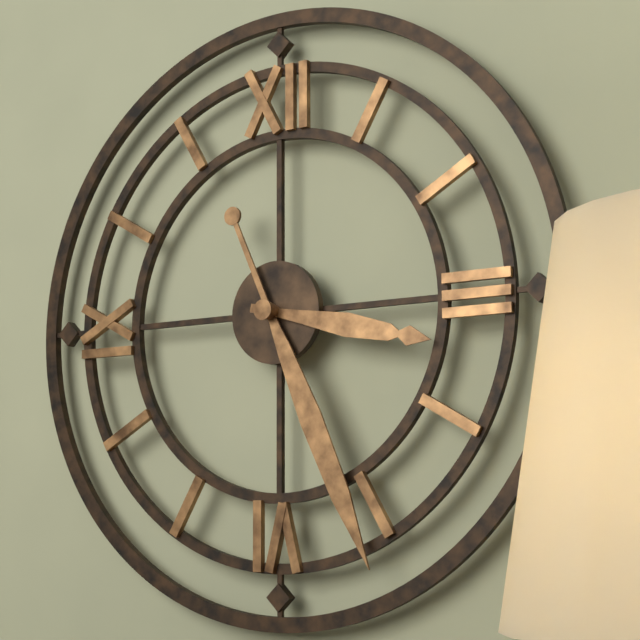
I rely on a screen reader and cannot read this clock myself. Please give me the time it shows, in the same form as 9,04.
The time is 3,26
